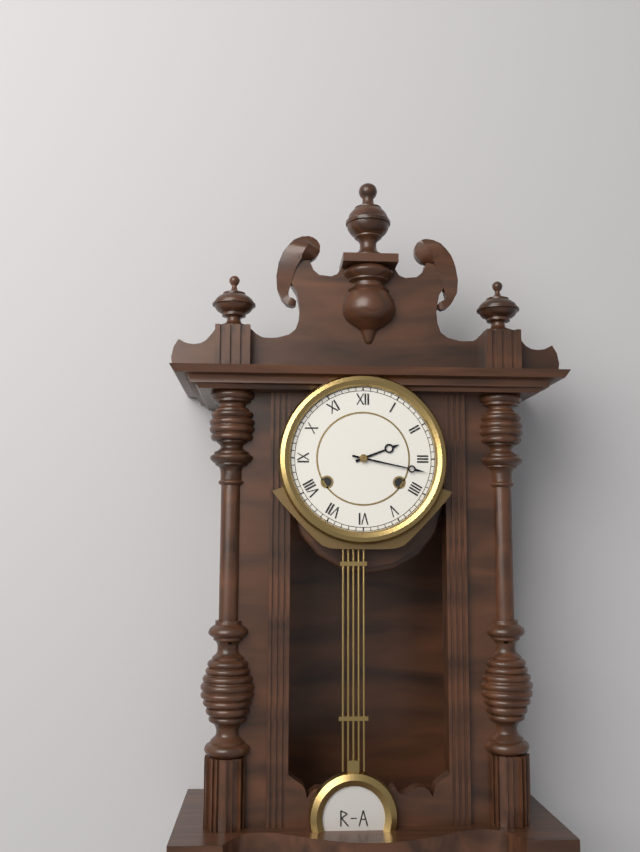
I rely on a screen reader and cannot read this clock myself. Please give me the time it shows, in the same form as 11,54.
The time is 2,17
